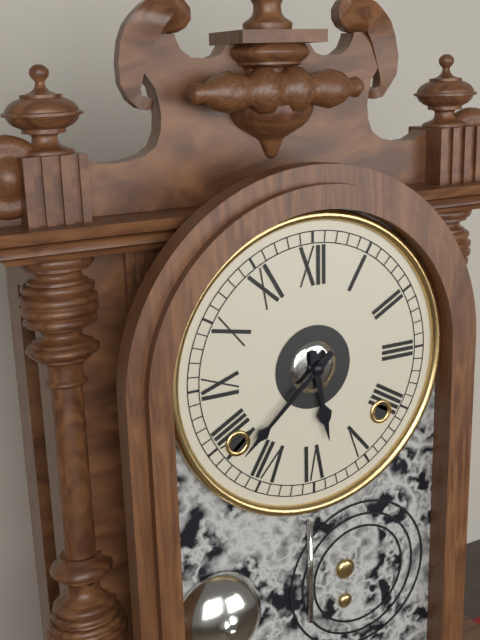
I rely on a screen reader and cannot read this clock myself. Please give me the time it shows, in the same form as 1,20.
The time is 5,38
